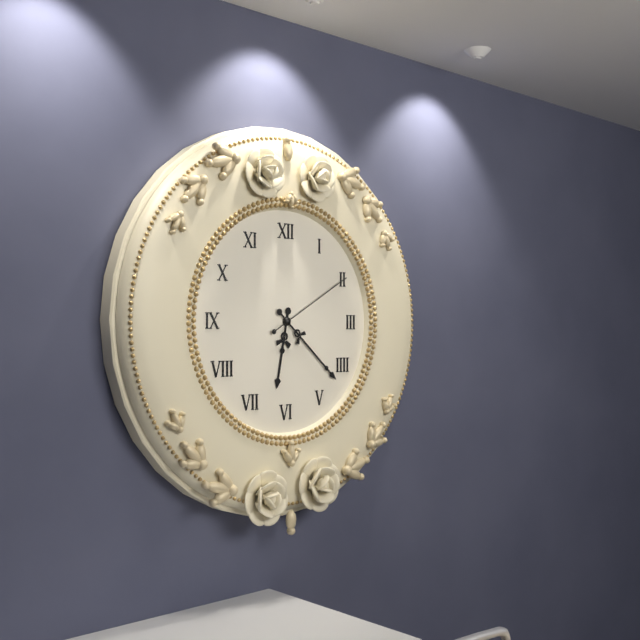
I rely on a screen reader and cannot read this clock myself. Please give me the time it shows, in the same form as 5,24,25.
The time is 6,22,10
